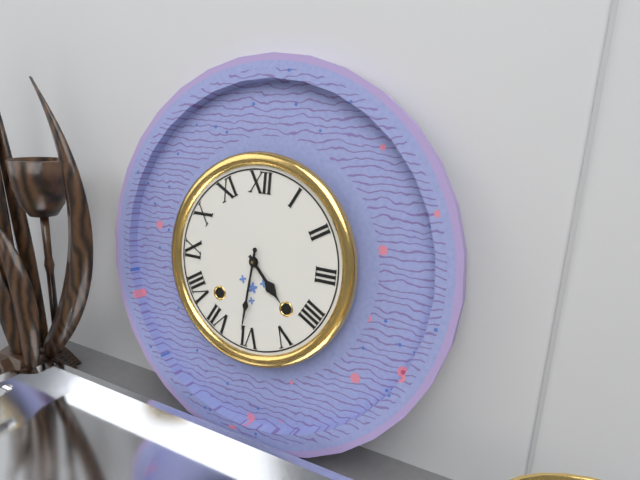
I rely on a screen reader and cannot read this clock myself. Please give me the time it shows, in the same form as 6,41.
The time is 4,31
